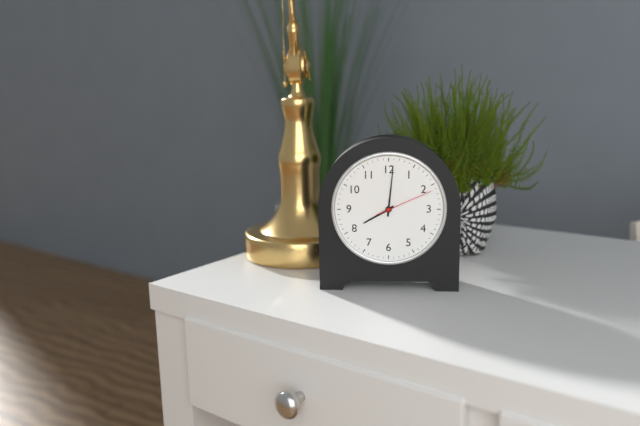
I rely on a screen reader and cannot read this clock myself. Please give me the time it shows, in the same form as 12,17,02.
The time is 8,01,11
